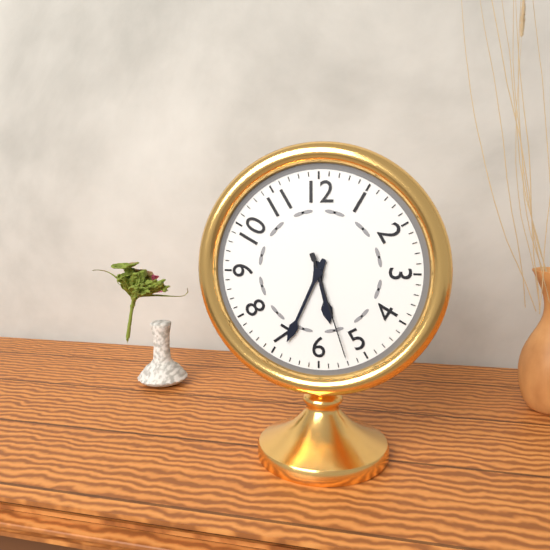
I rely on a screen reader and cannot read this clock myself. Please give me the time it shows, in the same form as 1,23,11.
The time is 5,34,27
